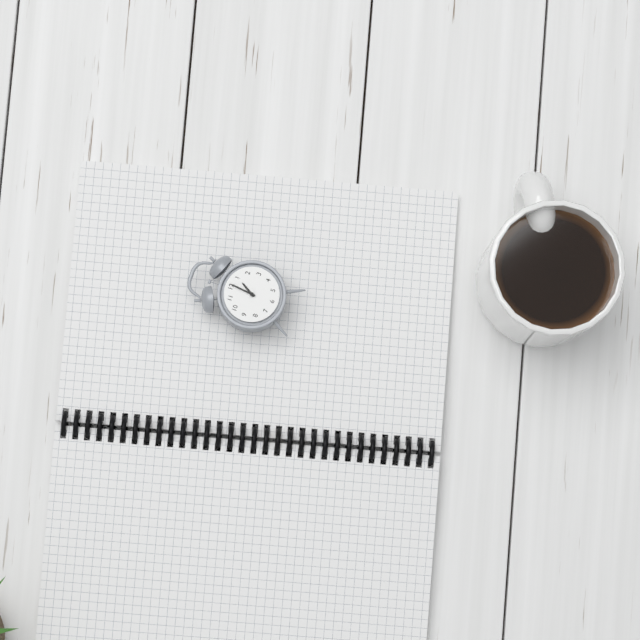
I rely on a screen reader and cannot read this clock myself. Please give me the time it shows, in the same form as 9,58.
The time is 1,01
